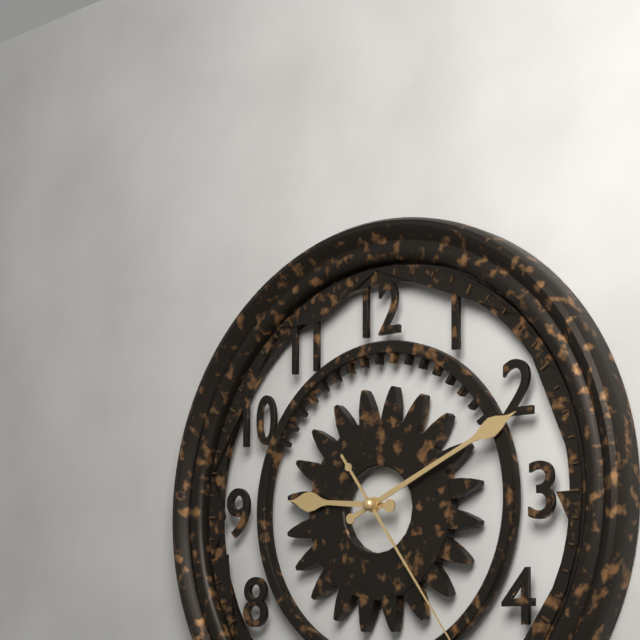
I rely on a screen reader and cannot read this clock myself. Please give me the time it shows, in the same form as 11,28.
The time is 9,11
